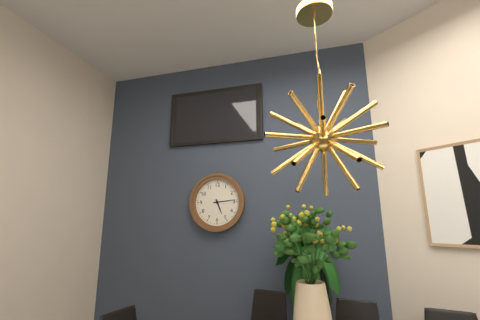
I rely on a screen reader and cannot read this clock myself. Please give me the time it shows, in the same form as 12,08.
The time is 5,14
